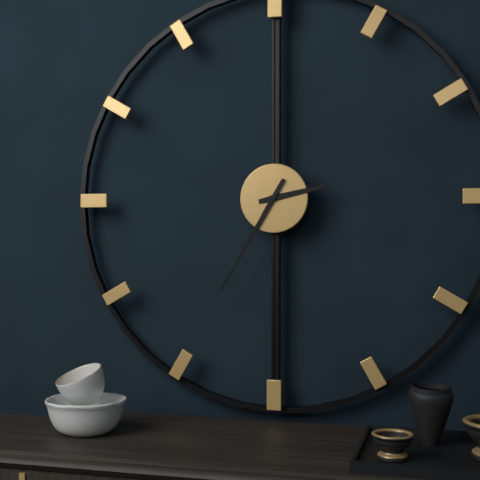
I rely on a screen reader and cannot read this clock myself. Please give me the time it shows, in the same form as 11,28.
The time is 2,35
